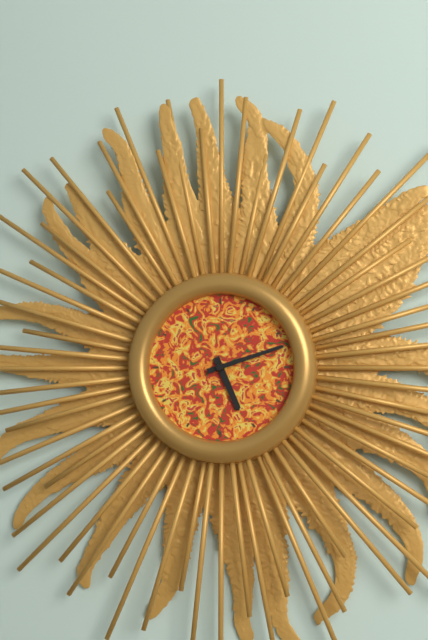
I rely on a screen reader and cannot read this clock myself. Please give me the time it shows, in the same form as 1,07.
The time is 5,12
